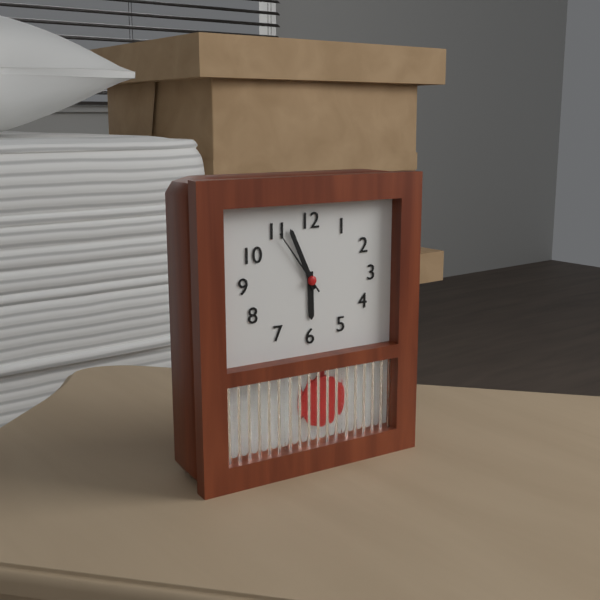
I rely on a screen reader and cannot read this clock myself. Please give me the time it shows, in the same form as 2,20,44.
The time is 5,56,54
